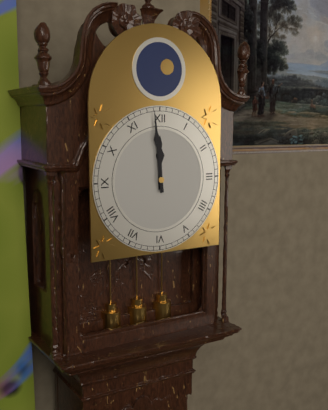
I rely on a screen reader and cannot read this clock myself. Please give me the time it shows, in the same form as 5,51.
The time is 11,59
